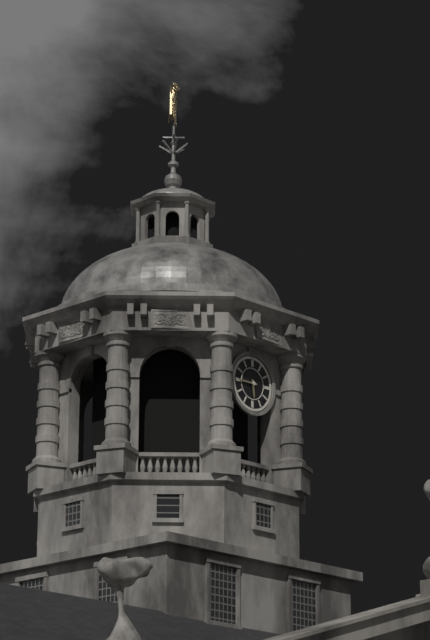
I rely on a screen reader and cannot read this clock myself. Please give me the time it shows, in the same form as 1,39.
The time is 5,45
